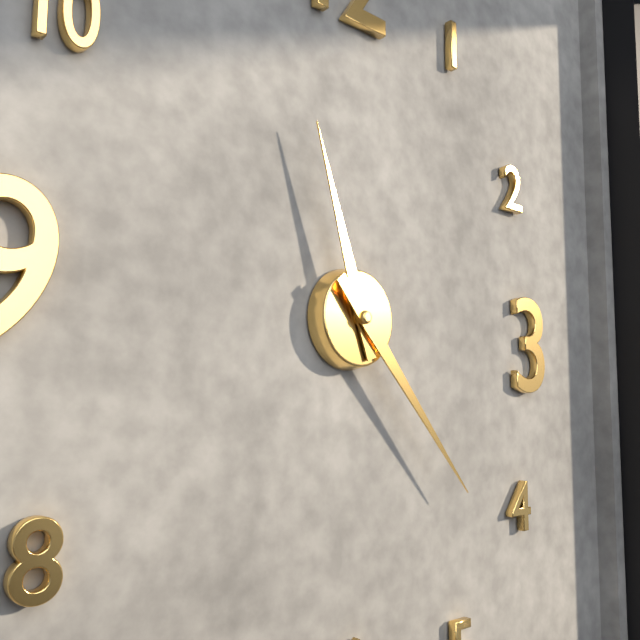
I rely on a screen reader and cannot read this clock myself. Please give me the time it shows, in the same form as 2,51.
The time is 11,23
